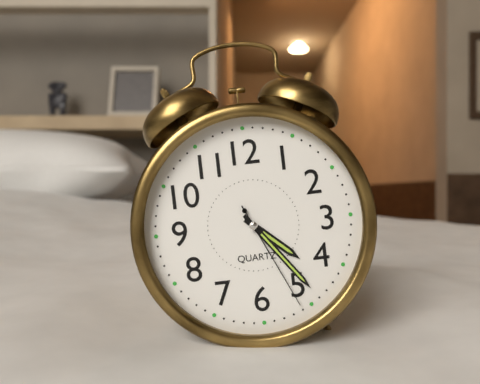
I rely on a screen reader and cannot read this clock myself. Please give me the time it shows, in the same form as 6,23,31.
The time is 4,24,26
